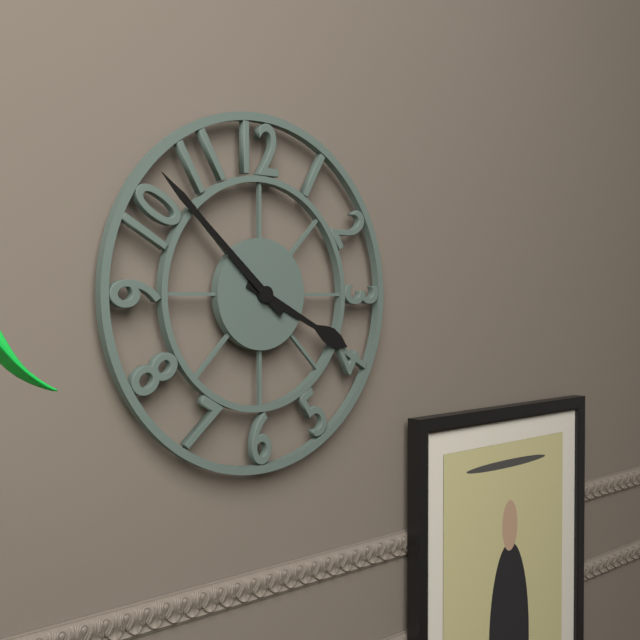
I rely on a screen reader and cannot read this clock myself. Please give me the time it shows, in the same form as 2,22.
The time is 3,52
